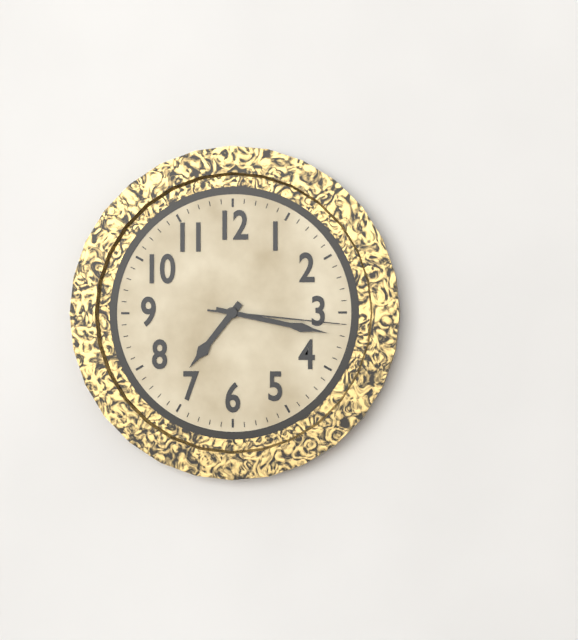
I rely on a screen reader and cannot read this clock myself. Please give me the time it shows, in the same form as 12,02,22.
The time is 7,17,16
